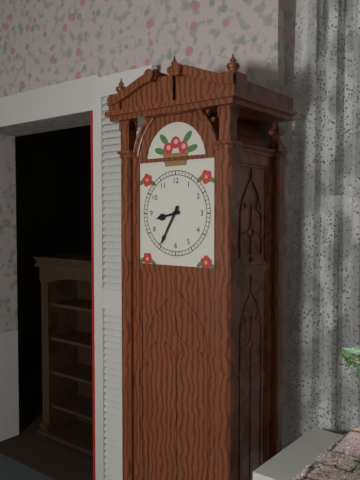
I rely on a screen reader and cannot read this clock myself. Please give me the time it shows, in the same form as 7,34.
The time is 8,35
